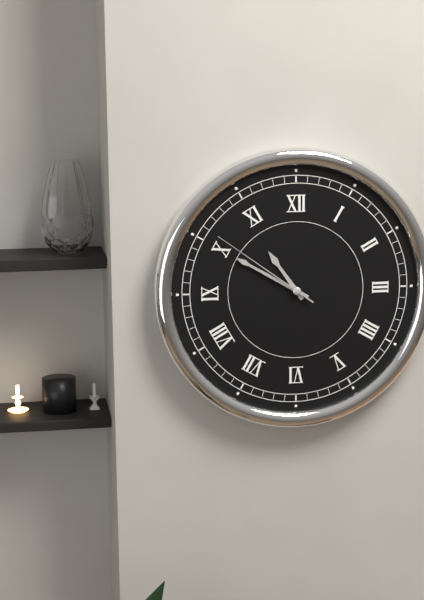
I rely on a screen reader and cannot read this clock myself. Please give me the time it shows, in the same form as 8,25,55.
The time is 10,50,51
